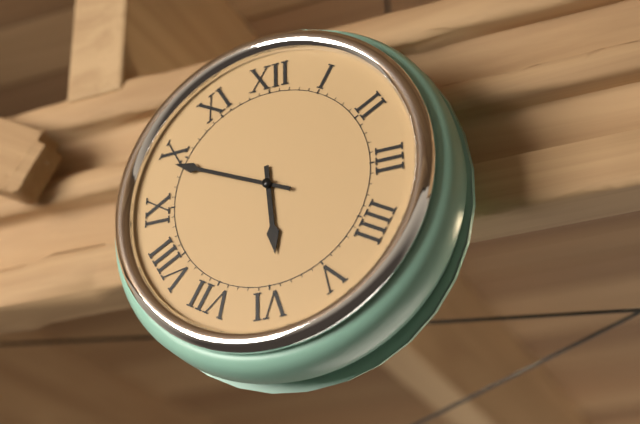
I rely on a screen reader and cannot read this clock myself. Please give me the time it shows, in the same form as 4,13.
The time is 5,49
